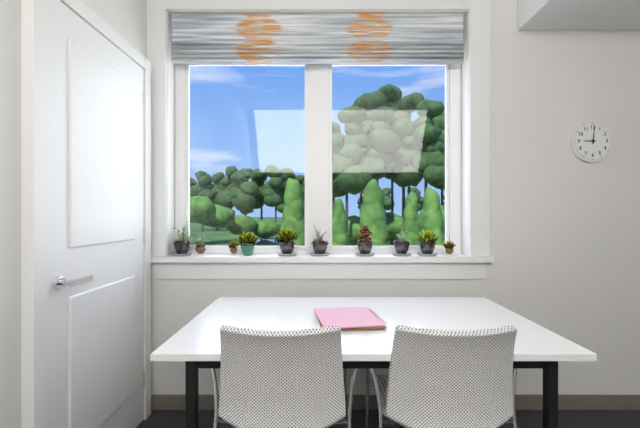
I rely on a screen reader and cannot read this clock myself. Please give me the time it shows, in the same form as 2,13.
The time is 9,01
